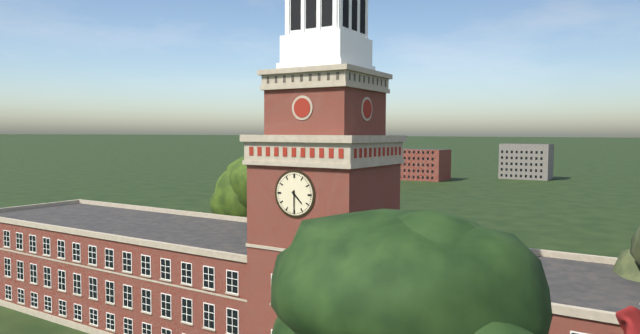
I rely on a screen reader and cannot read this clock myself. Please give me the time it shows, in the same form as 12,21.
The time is 4,30
